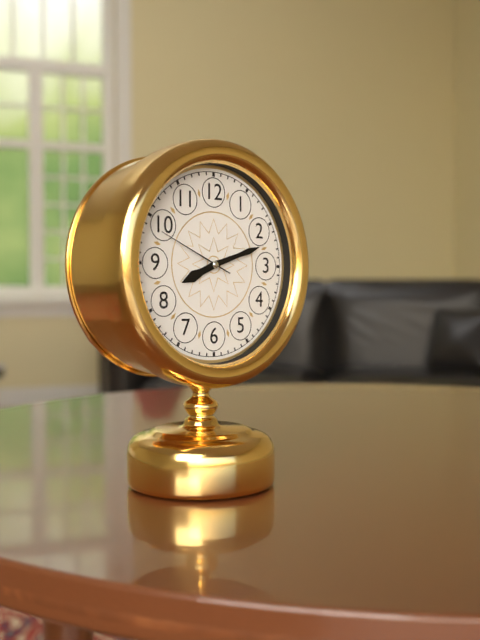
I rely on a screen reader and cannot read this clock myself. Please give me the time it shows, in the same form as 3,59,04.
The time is 8,12,49
